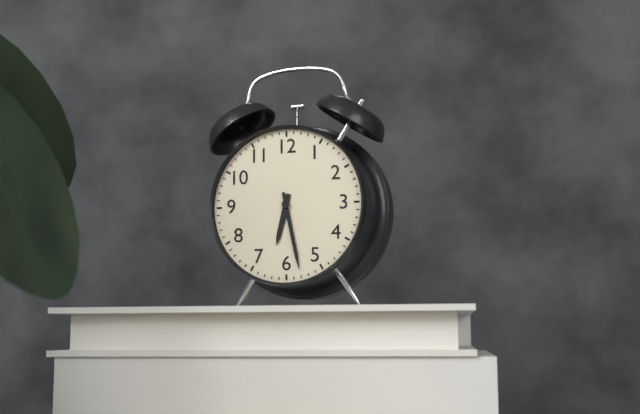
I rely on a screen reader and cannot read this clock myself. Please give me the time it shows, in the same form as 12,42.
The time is 6,28
